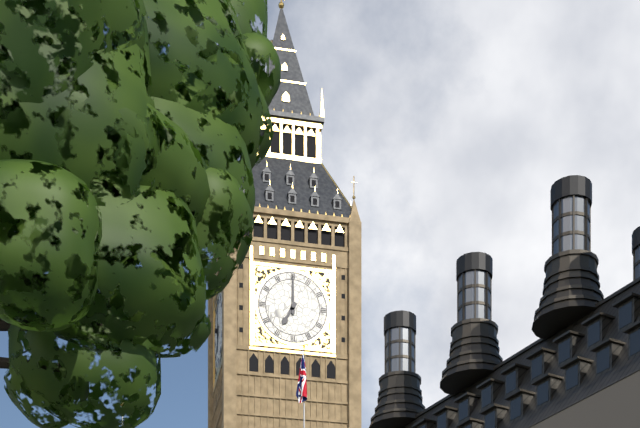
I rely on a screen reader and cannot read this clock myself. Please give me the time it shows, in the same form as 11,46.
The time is 7,00
